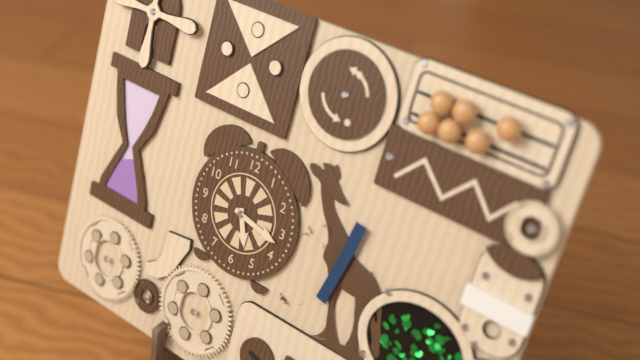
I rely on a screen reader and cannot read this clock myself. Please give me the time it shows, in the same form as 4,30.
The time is 5,17
